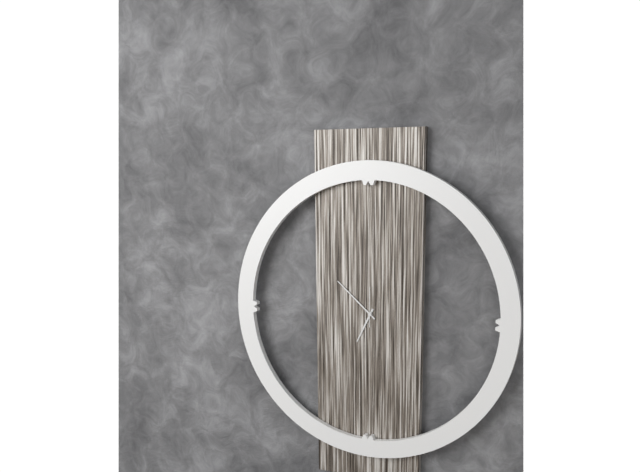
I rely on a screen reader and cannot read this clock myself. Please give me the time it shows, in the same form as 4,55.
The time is 6,52
